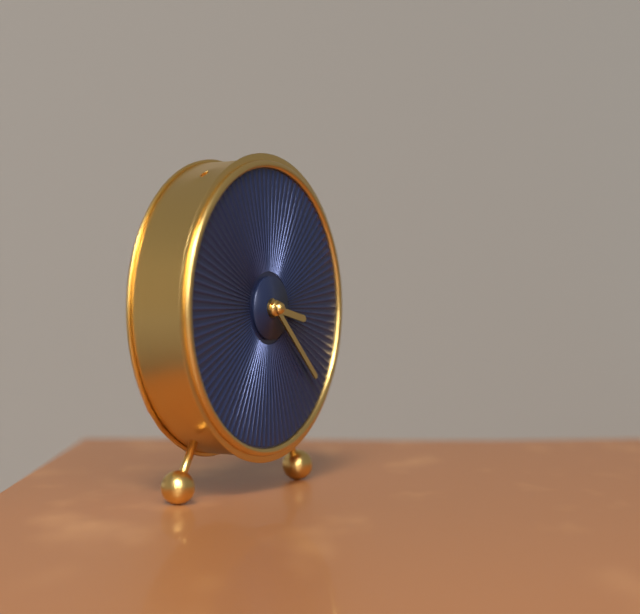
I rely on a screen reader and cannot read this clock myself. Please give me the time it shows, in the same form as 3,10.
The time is 3,22
